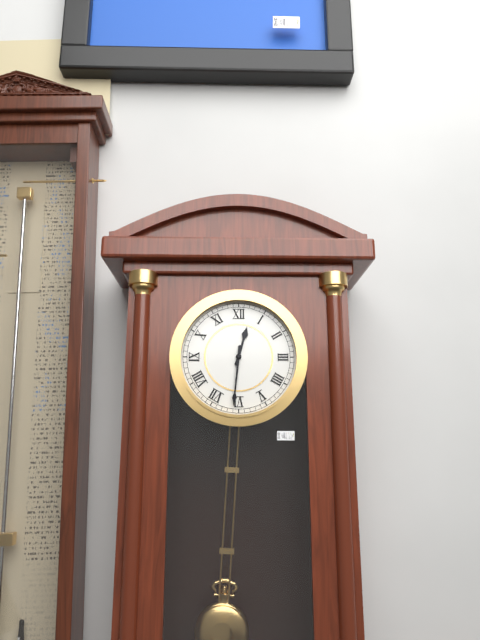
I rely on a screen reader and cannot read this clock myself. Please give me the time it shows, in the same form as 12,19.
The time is 12,31
